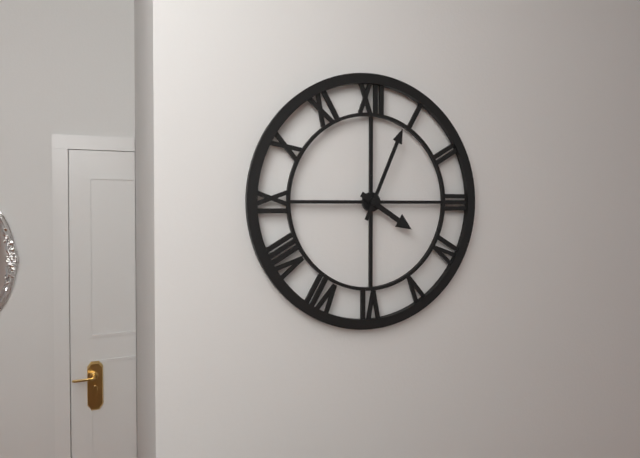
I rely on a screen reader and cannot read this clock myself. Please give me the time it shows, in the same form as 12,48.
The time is 4,04
